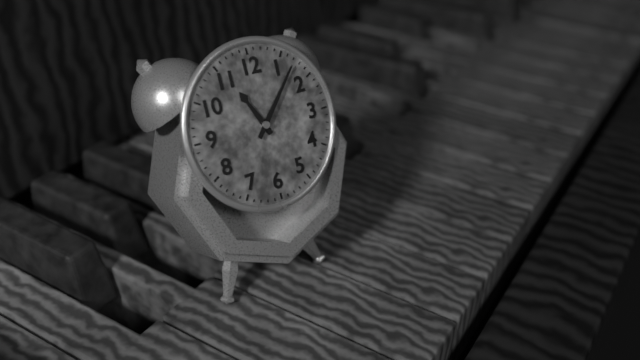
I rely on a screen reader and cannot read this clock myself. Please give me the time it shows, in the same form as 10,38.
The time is 11,07
